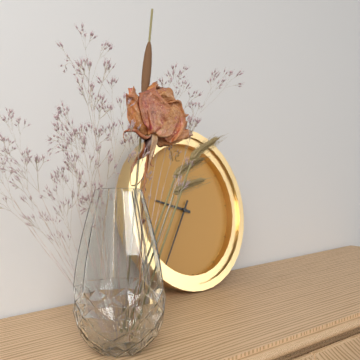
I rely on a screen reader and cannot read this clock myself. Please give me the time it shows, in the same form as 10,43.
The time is 9,36
